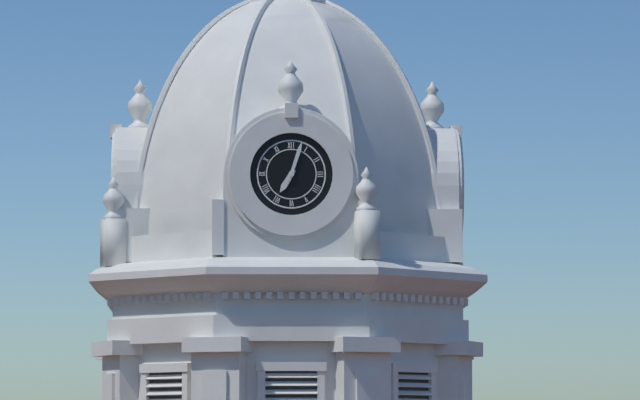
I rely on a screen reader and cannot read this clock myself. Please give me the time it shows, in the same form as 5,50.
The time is 7,03
